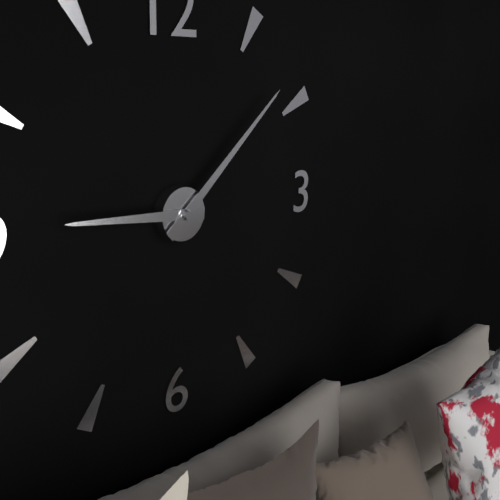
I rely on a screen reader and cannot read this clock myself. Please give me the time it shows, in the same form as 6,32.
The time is 9,08
